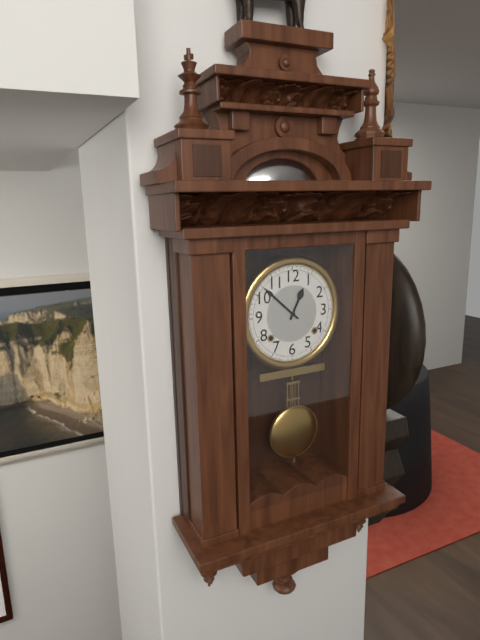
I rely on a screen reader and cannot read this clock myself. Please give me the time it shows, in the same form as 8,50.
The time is 12,52
